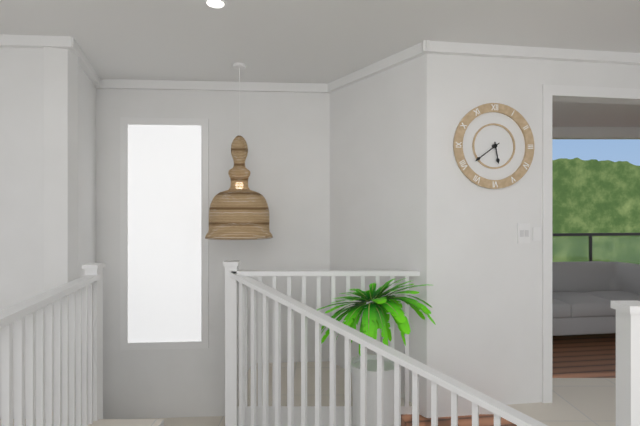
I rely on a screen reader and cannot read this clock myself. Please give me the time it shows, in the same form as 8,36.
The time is 5,39
